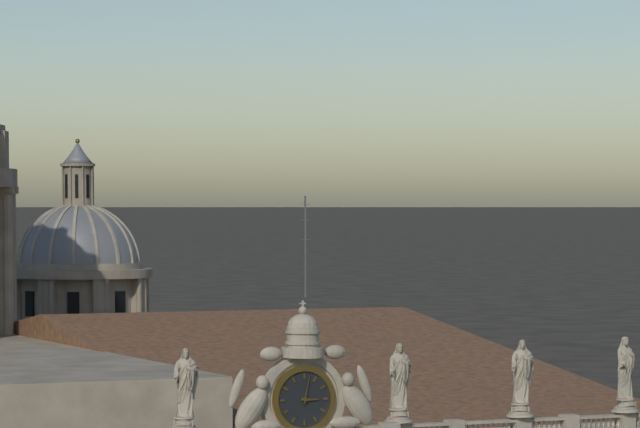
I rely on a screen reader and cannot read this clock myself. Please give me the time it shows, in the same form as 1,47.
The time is 3,02
